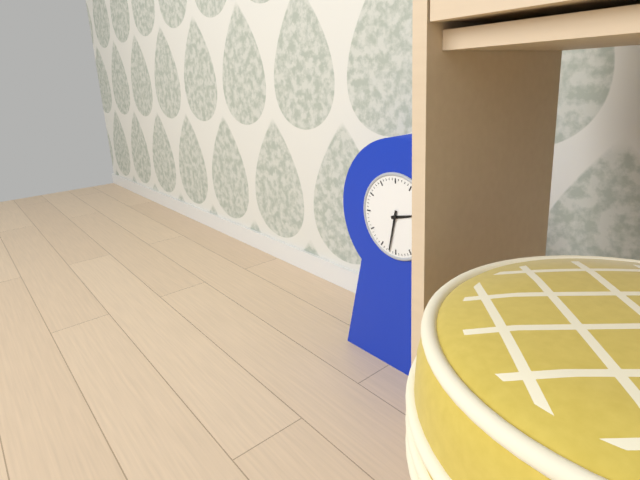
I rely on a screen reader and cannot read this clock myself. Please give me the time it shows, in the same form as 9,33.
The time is 2,32
